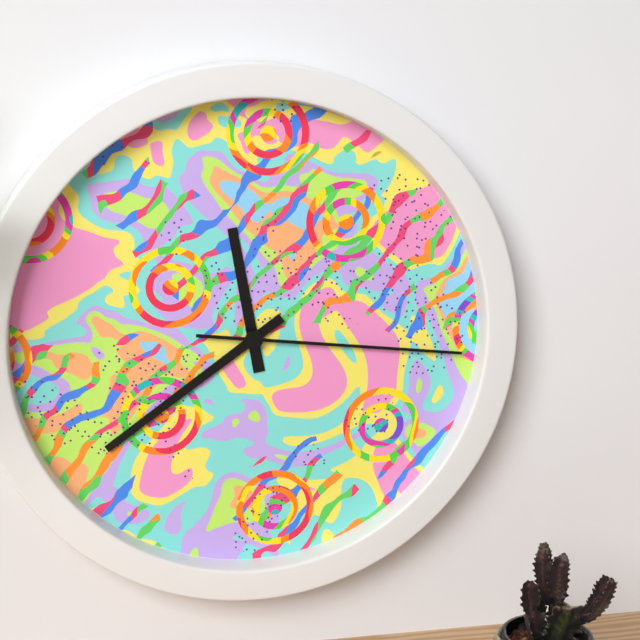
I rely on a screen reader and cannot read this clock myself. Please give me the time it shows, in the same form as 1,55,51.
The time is 11,39,16
